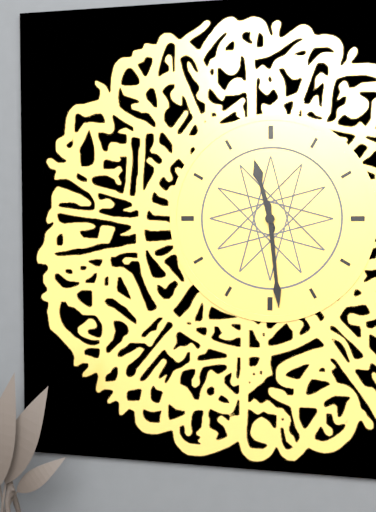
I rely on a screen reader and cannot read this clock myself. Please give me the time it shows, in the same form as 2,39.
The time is 11,29
